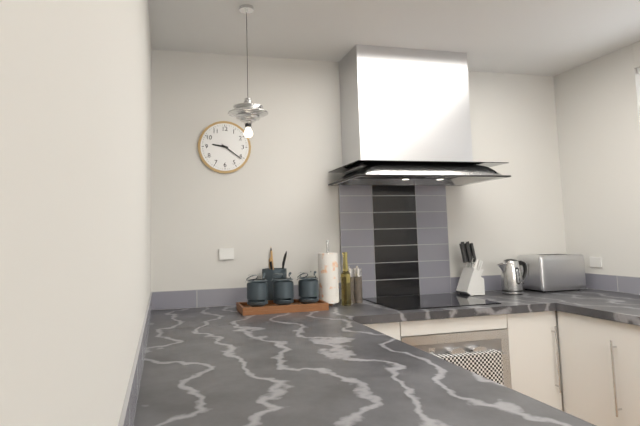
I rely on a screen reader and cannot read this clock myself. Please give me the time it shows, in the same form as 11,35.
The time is 9,21
